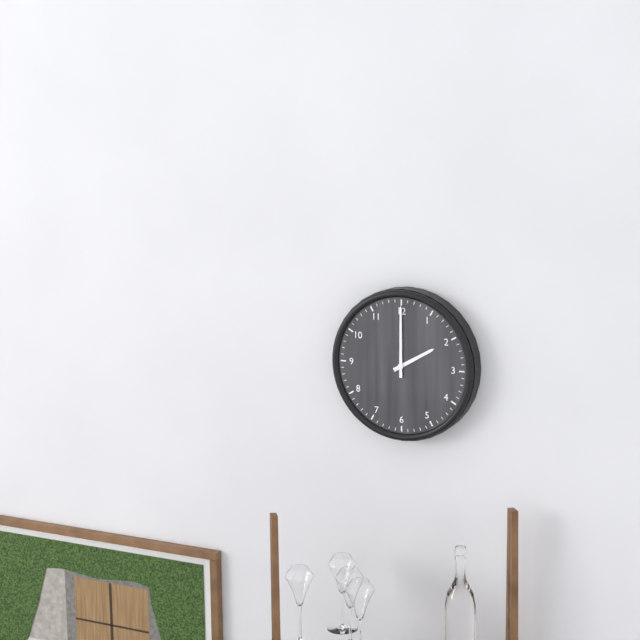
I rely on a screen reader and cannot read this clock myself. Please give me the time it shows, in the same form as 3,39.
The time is 2,00
